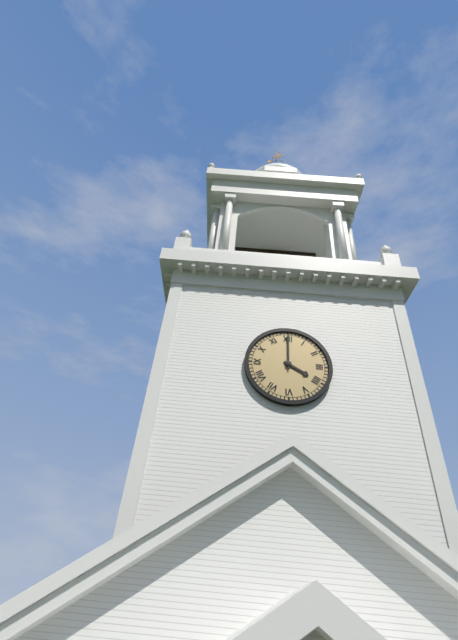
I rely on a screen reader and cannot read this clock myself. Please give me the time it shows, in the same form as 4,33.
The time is 4,00
